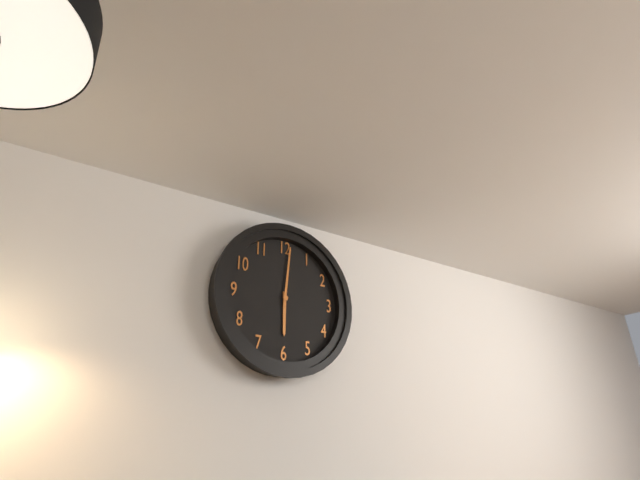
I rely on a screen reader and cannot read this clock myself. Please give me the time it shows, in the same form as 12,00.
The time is 6,01
